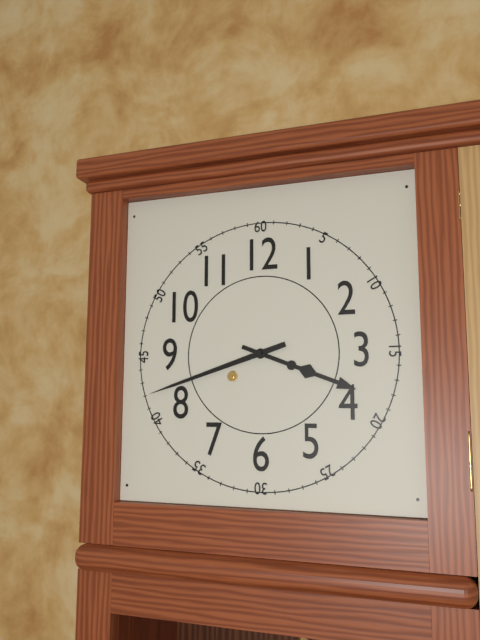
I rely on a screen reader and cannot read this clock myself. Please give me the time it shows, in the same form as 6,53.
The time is 3,42
